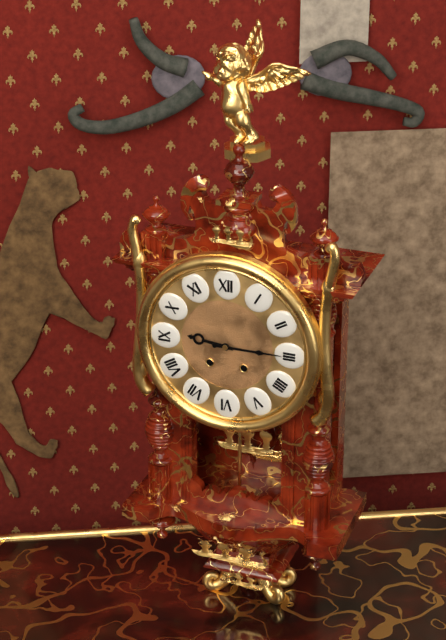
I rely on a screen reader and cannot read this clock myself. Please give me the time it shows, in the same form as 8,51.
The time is 9,15
